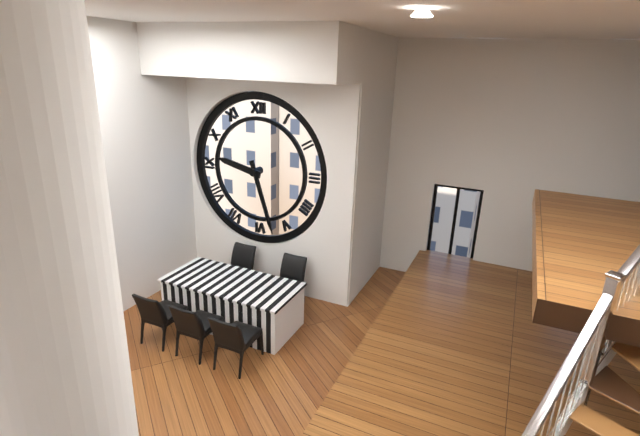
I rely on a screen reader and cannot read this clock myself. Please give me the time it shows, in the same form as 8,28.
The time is 9,27
